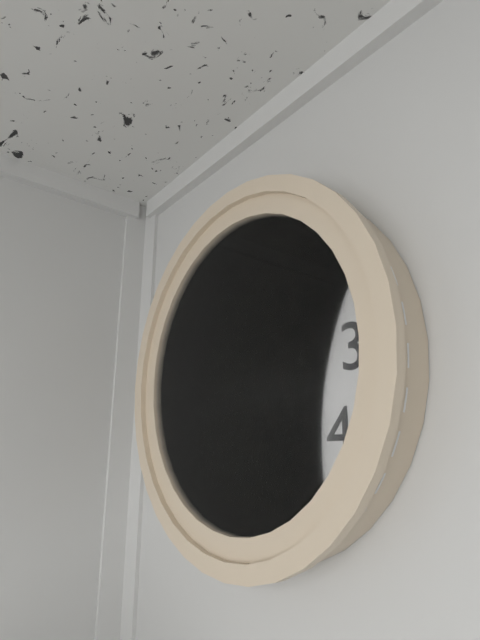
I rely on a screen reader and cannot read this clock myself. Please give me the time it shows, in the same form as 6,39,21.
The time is 11,57,52
